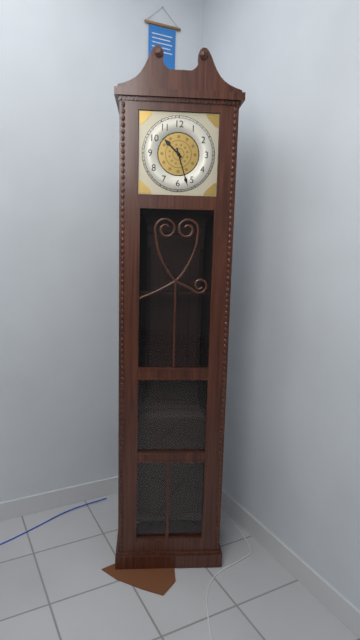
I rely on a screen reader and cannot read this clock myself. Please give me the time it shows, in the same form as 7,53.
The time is 10,27
